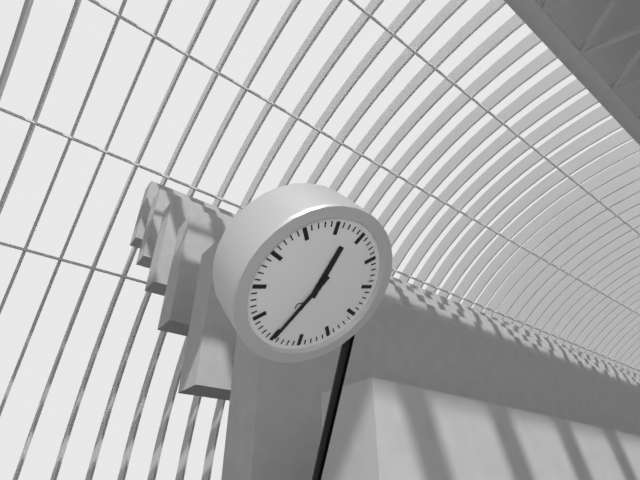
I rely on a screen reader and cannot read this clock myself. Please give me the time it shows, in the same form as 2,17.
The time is 11,30
